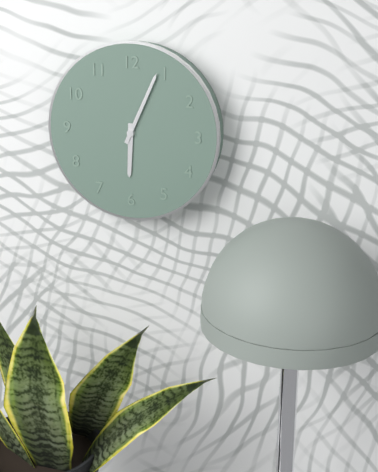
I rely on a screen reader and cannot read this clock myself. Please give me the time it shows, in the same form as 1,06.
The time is 6,04
